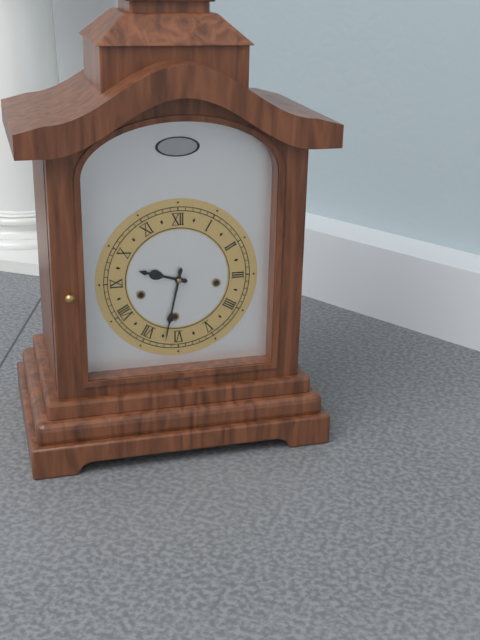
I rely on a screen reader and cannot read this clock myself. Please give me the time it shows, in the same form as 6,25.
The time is 9,32
